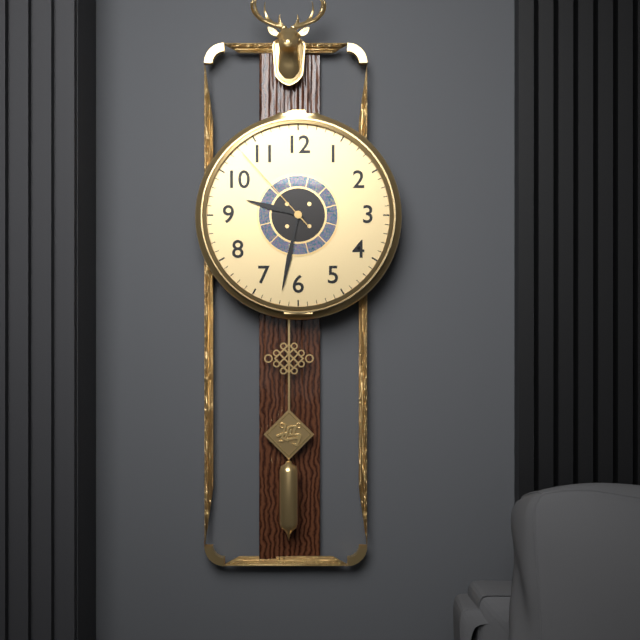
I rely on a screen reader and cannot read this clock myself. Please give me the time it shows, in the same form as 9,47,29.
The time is 9,32,53
